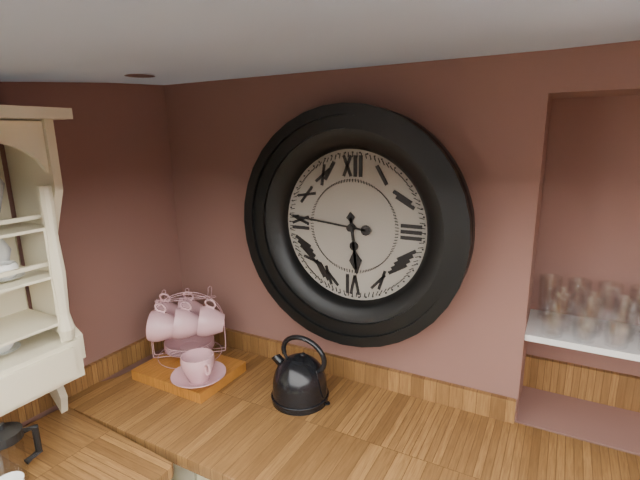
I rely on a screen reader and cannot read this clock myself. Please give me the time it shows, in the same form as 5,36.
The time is 5,46
